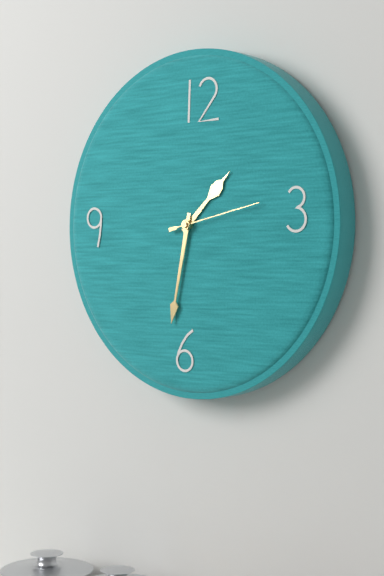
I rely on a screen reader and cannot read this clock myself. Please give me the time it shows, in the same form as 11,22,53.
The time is 1,32,13
